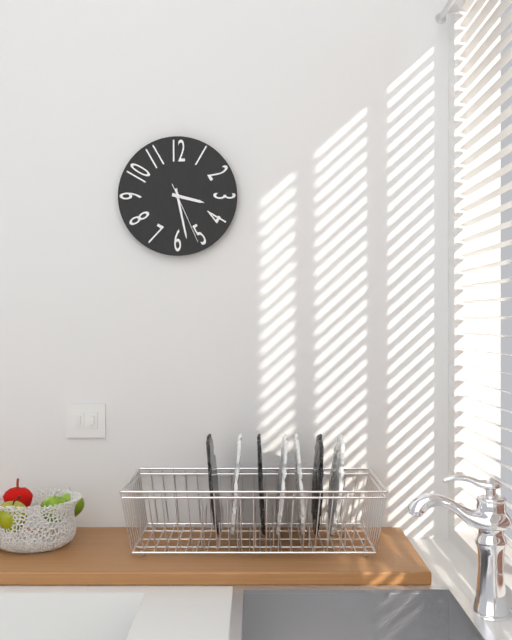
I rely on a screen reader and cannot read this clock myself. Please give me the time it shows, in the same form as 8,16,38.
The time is 3,28,26
